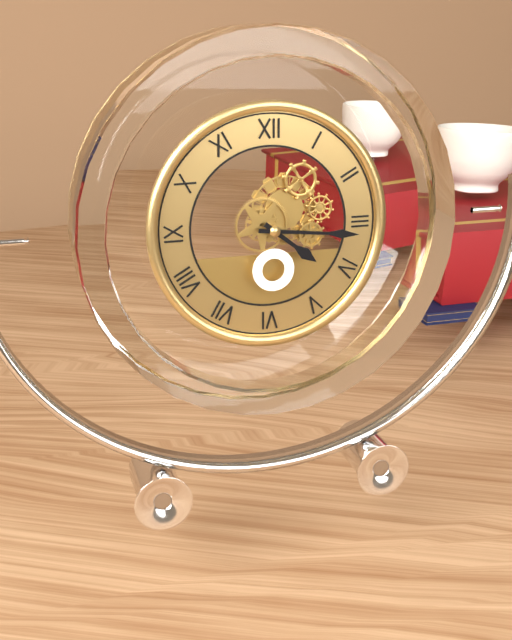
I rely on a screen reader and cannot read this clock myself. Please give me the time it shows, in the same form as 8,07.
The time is 4,16
